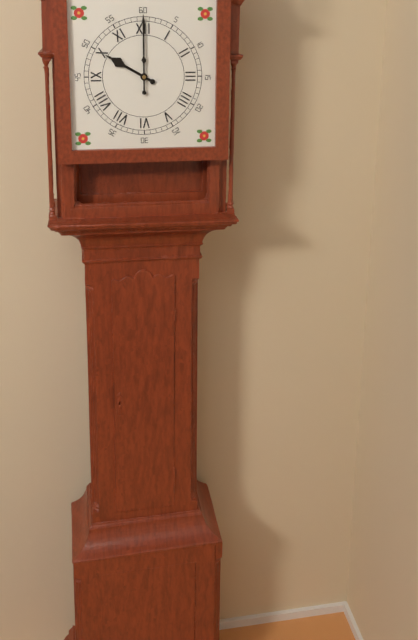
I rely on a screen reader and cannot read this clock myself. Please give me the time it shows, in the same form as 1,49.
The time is 10,00
